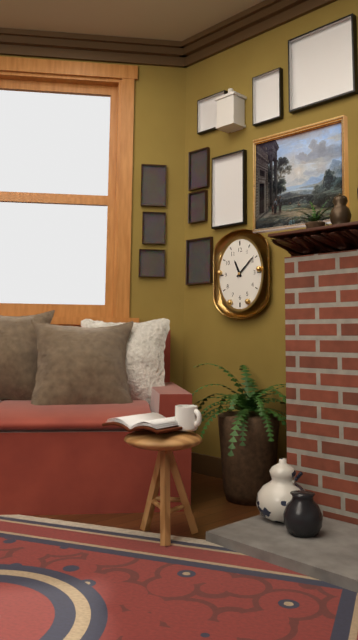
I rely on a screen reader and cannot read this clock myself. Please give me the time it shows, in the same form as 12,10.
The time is 11,08
